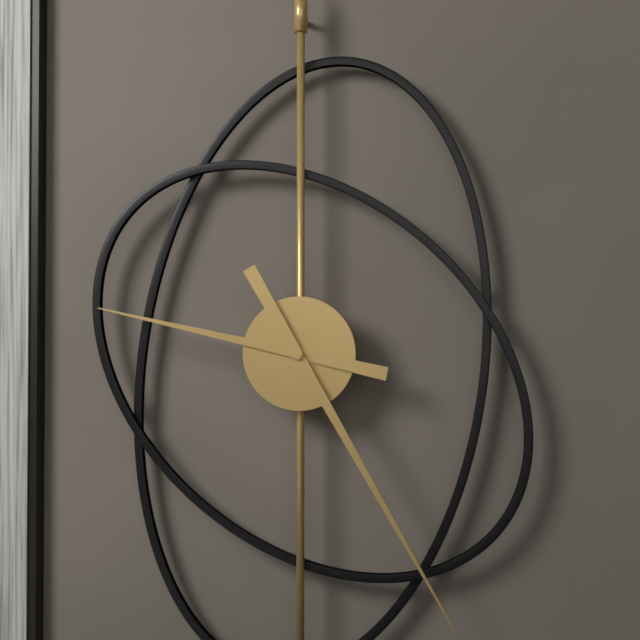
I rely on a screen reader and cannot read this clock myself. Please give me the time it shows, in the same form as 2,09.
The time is 9,25
